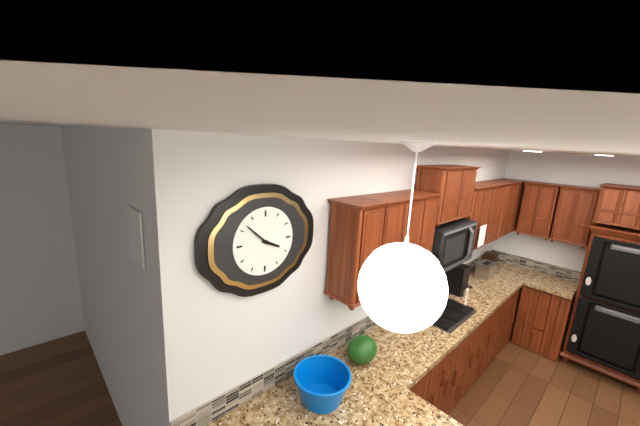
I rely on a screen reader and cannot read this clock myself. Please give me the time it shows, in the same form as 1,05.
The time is 3,52
